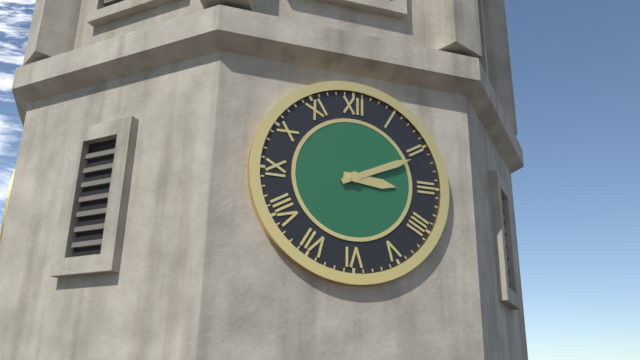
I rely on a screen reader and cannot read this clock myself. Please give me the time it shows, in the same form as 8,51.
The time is 3,11
